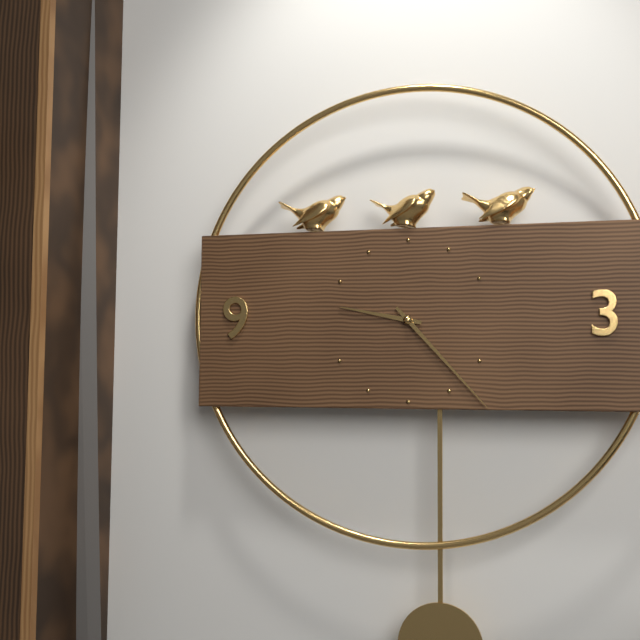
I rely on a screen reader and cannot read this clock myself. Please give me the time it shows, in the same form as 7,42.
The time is 9,23
